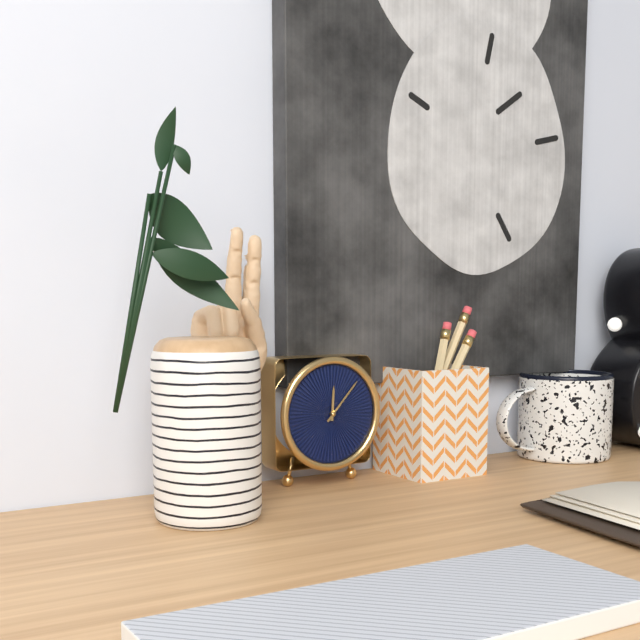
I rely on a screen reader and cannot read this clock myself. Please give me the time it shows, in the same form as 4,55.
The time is 12,07
